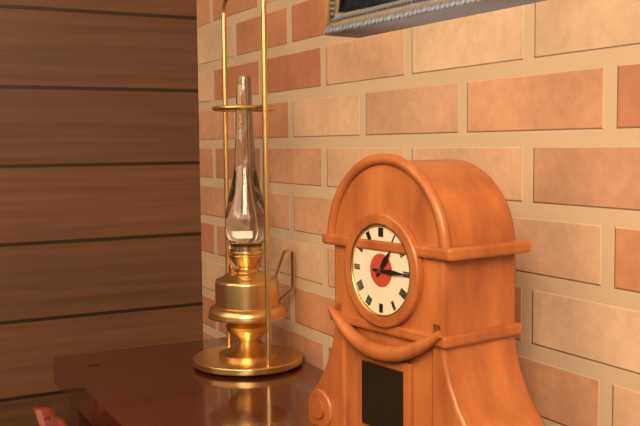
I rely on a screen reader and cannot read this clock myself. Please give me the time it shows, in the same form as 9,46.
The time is 1,15
